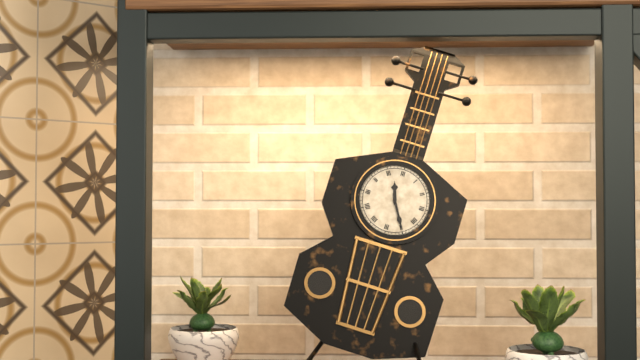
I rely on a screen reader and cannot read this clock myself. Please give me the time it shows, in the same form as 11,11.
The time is 11,25
